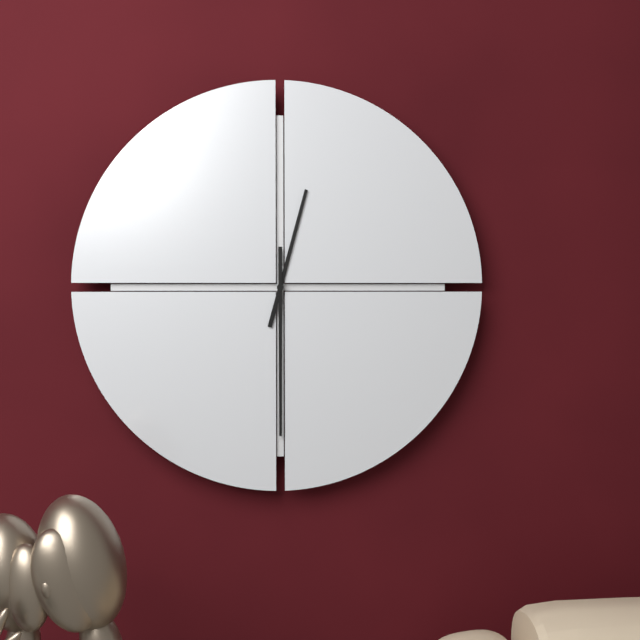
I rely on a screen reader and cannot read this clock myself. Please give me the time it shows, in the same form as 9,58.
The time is 12,30
